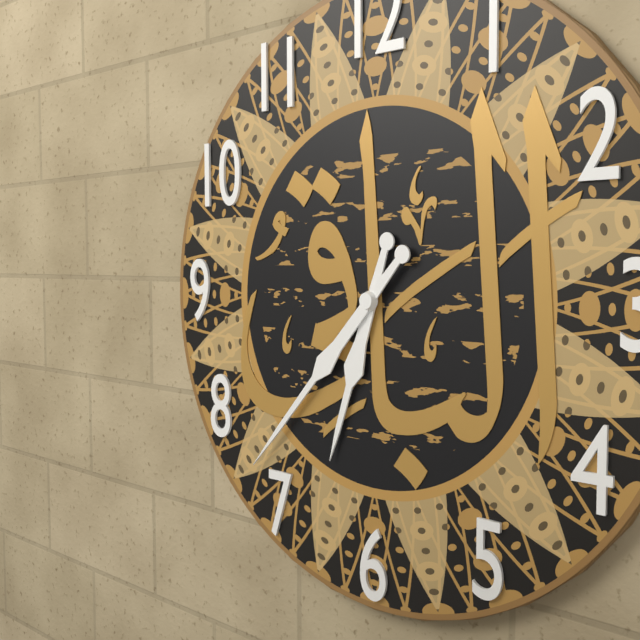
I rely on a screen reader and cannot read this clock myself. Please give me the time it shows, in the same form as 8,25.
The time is 6,37
